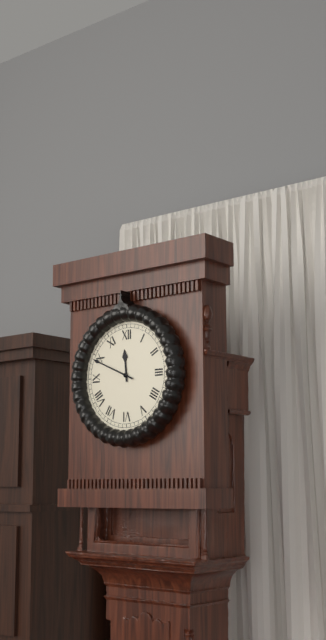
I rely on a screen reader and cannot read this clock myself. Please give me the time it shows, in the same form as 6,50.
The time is 11,49
